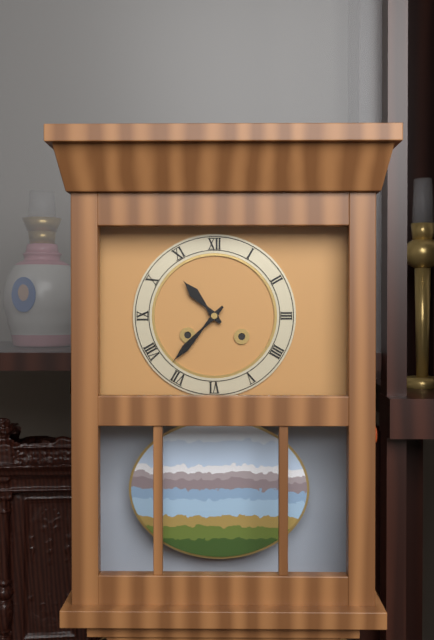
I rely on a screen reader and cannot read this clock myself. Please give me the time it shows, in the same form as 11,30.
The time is 10,37
